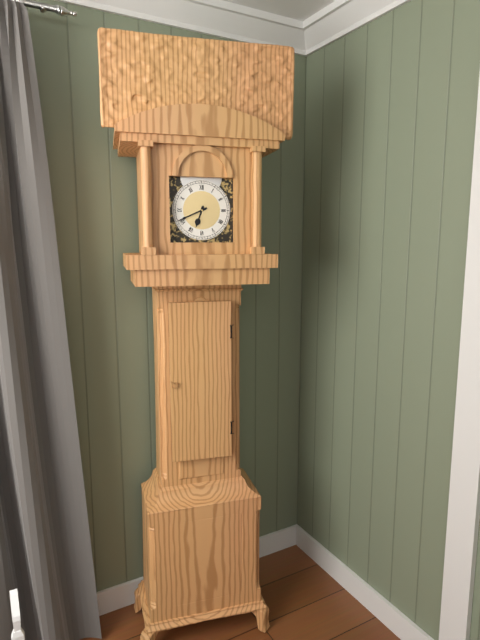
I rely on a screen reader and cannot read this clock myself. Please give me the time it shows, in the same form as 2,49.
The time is 6,41
